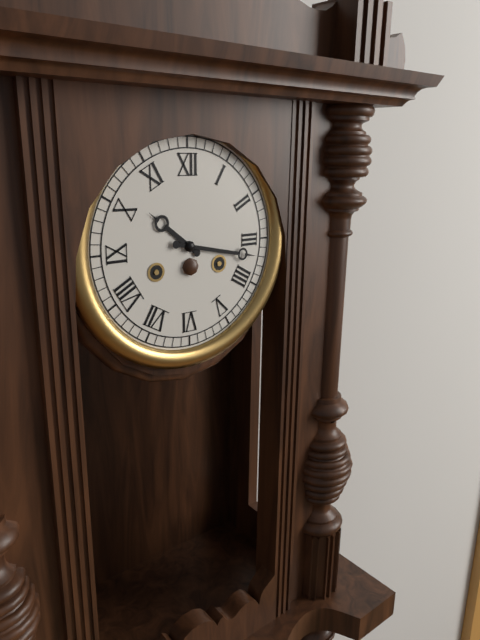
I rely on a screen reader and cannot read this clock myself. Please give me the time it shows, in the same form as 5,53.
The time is 10,17
